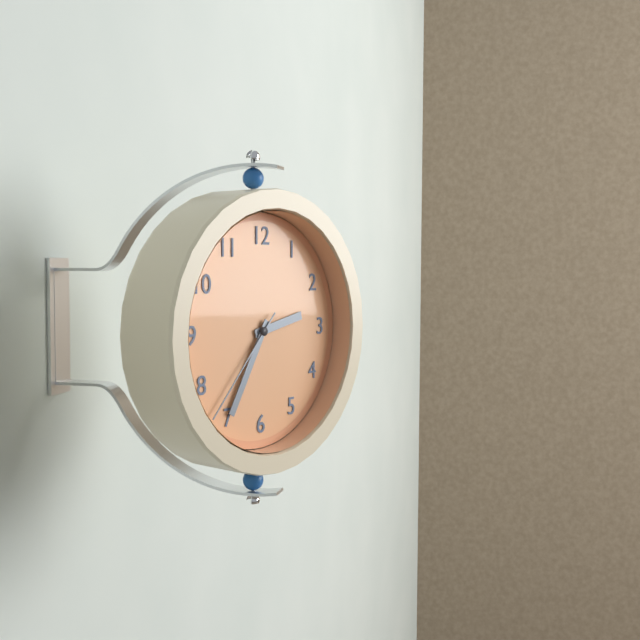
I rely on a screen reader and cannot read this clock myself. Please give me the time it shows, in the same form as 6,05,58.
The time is 2,35,37
